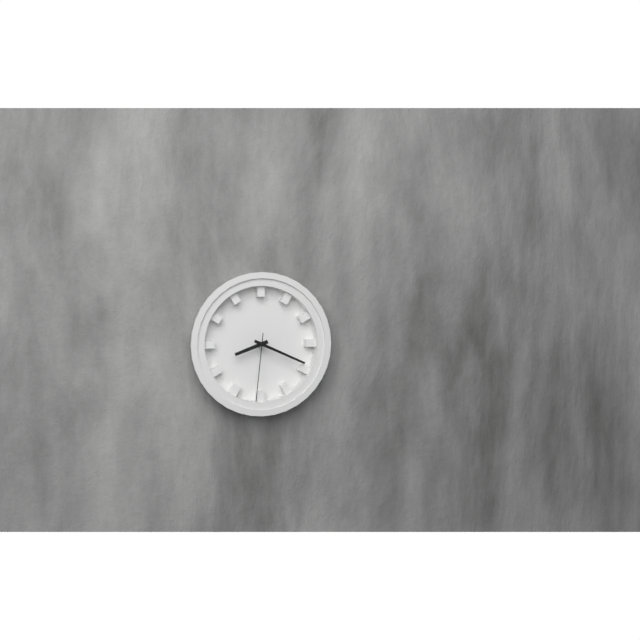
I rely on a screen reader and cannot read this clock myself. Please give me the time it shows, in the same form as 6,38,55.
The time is 8,19,31
